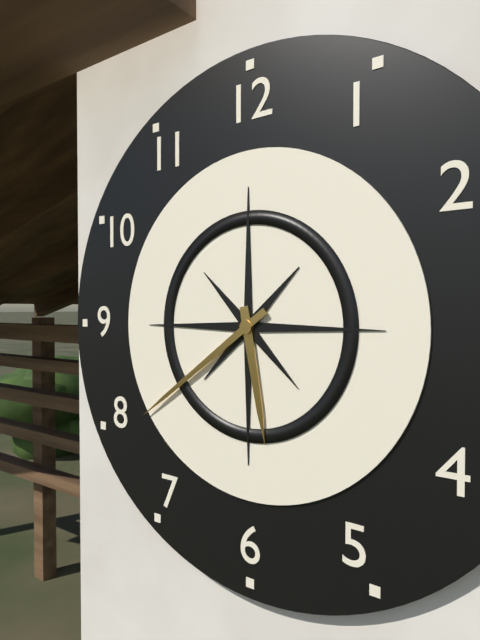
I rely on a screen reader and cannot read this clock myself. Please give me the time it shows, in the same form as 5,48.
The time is 5,39
